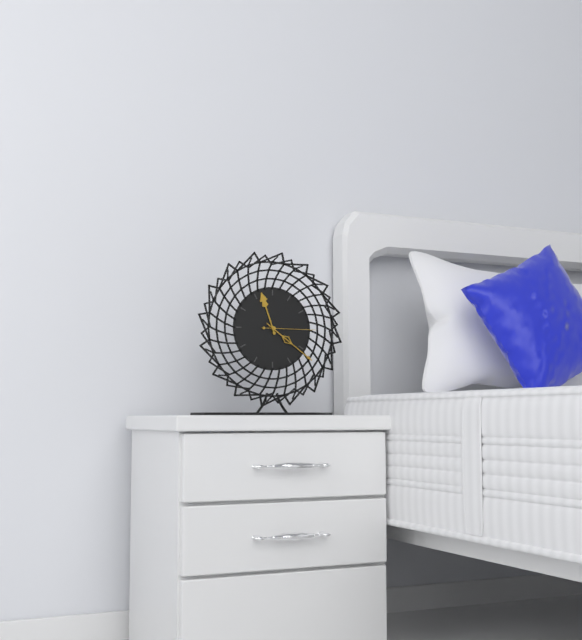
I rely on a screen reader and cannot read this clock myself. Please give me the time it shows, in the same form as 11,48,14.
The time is 11,21,15
